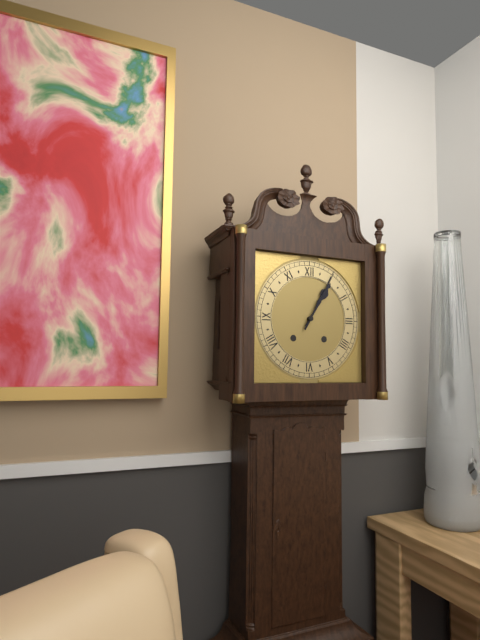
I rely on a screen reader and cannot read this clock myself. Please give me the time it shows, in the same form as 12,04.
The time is 1,05
